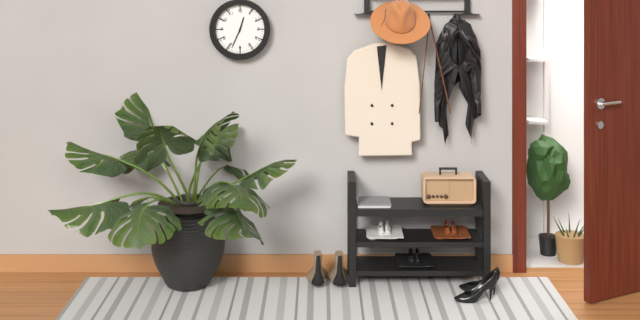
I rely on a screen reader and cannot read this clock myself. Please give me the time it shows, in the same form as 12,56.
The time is 12,34
